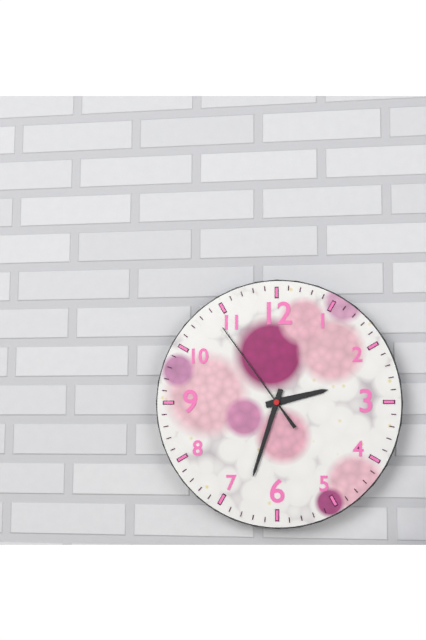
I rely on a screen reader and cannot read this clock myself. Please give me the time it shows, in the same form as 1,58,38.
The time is 2,33,54
